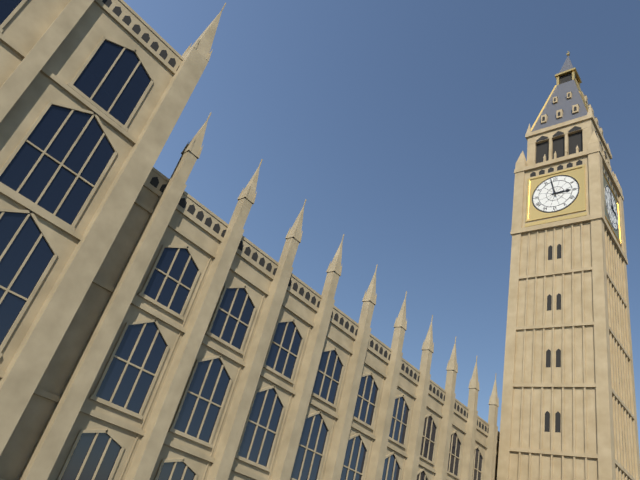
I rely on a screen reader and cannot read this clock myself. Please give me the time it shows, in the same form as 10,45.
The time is 2,58
